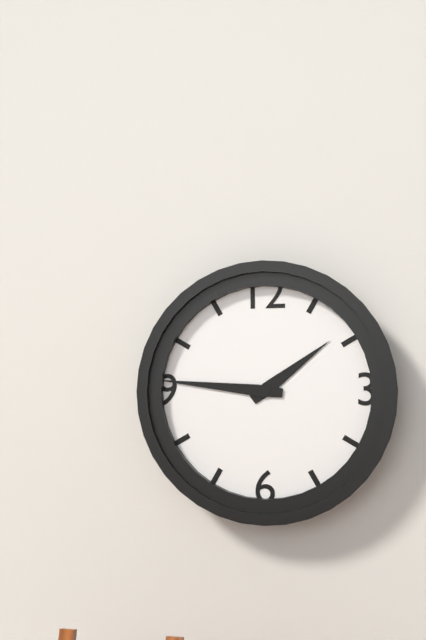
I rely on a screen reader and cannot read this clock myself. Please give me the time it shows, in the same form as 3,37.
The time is 1,46
